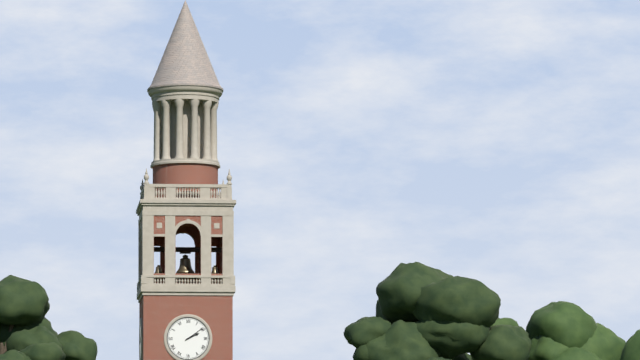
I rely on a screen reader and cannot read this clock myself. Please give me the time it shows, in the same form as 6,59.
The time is 2,09
